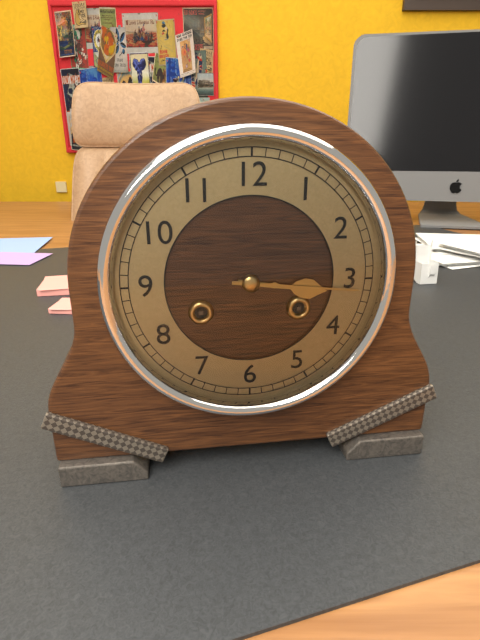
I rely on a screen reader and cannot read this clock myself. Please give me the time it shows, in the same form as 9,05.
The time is 3,16
